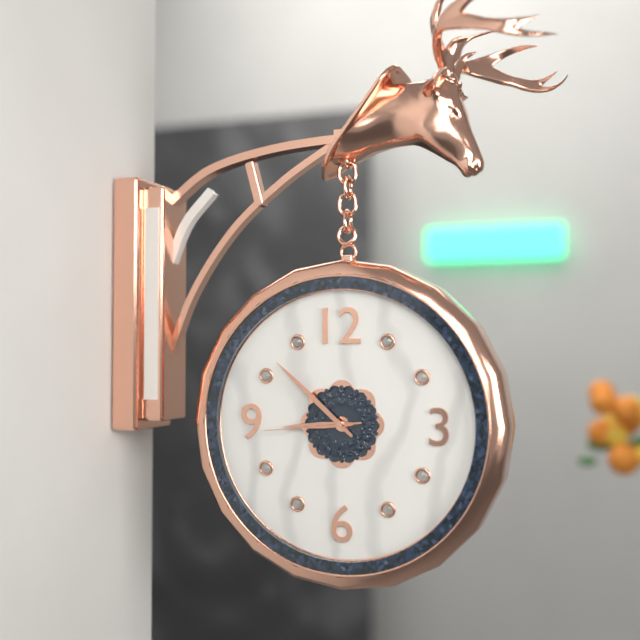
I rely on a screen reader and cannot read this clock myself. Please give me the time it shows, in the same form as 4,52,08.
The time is 8,52,44
